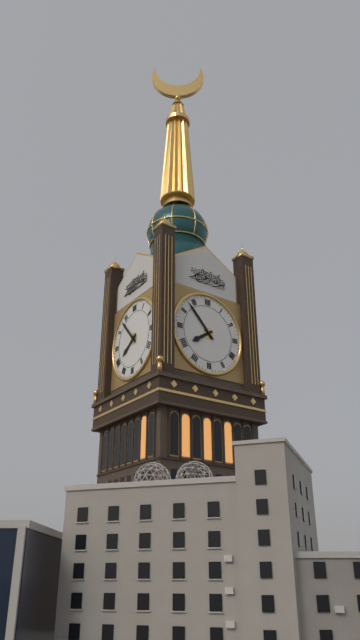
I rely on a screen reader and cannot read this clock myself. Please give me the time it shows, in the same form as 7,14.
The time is 7,53
